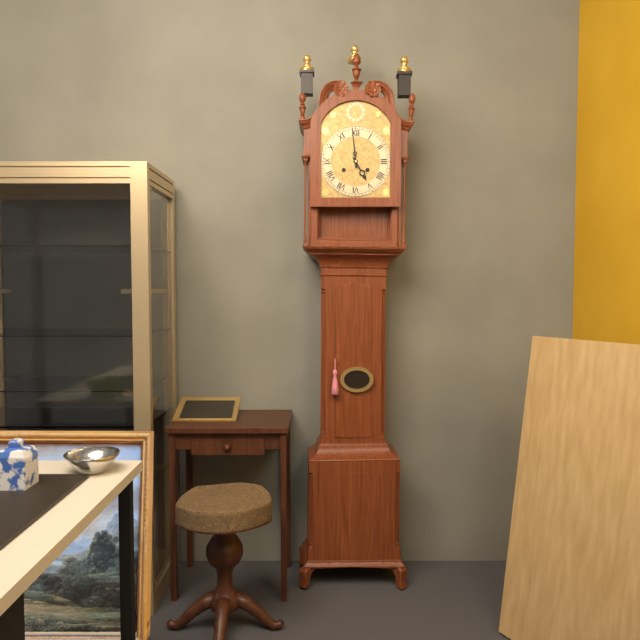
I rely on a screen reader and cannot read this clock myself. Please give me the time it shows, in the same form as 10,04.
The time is 4,59
